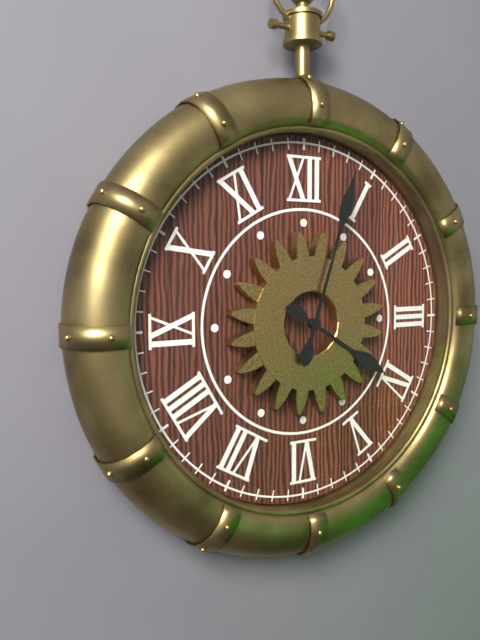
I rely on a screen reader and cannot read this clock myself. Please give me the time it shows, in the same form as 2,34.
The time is 4,03
